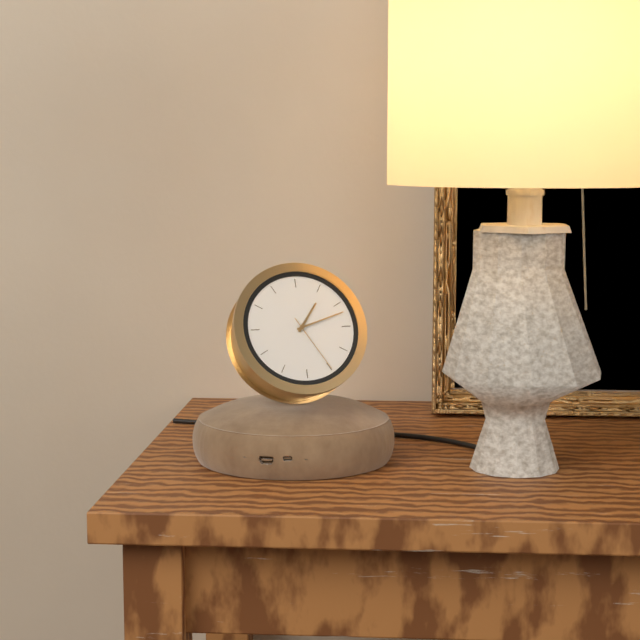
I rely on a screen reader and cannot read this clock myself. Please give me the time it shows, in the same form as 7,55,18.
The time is 1,12,25
